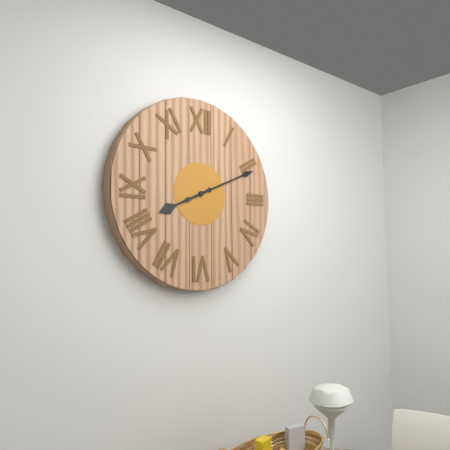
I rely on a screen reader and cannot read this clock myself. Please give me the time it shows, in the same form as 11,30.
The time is 8,11
